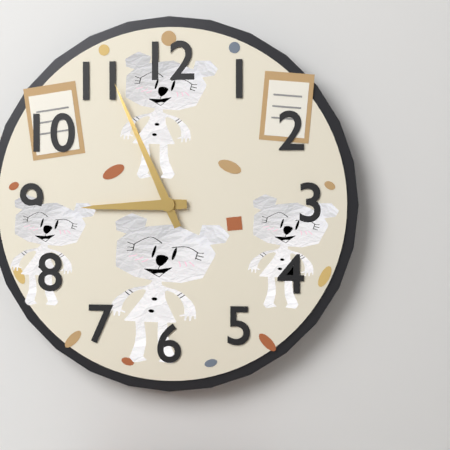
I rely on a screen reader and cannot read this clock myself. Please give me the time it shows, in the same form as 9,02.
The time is 8,56
